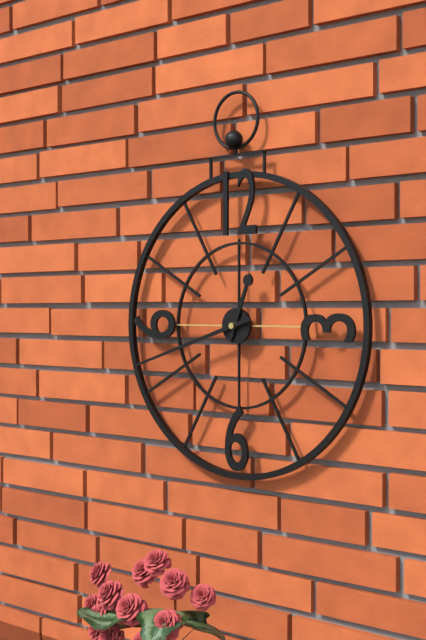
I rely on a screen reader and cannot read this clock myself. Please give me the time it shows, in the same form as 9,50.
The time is 12,42
